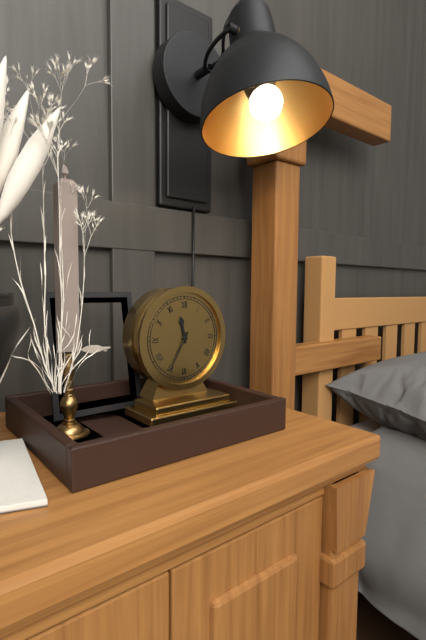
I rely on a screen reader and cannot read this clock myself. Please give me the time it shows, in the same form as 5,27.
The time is 11,35
